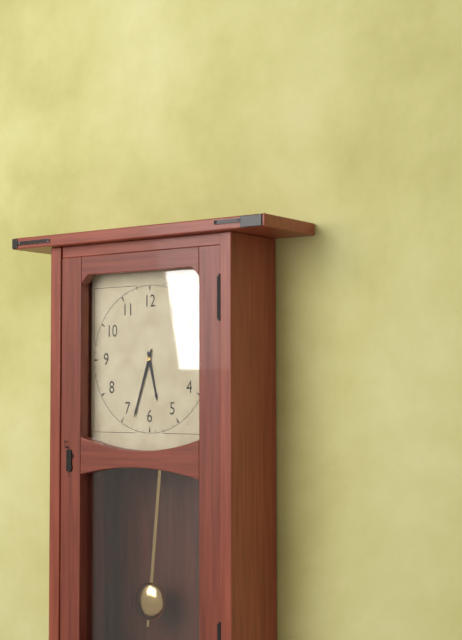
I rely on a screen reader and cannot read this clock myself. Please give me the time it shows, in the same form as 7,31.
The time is 5,33
